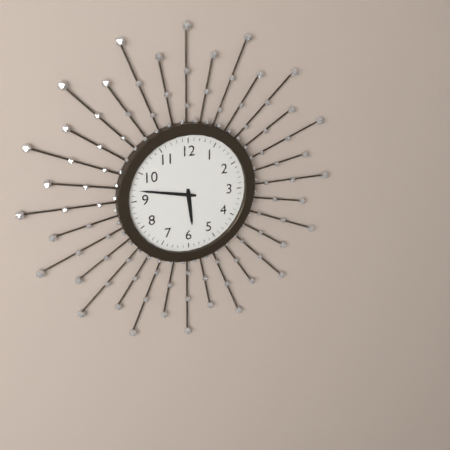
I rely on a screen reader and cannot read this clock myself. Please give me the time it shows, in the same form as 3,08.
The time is 5,47
